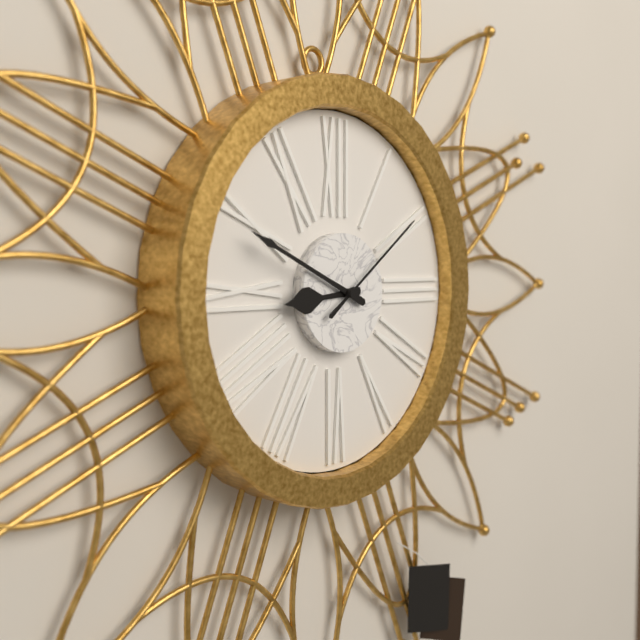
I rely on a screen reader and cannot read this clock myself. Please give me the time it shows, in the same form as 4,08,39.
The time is 8,49,09
